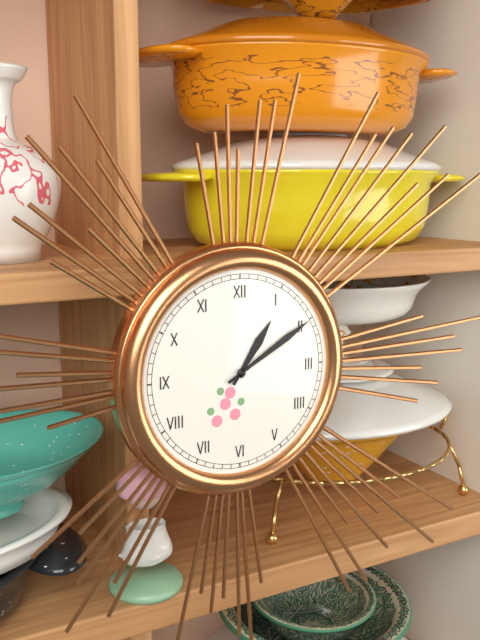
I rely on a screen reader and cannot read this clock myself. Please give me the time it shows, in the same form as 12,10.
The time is 1,10
